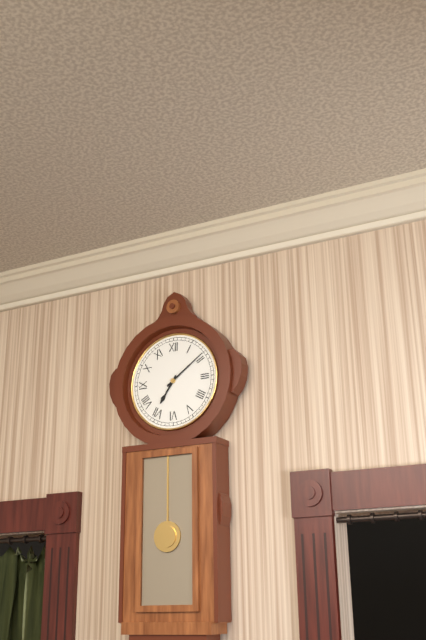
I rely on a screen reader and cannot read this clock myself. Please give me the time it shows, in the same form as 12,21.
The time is 7,09
